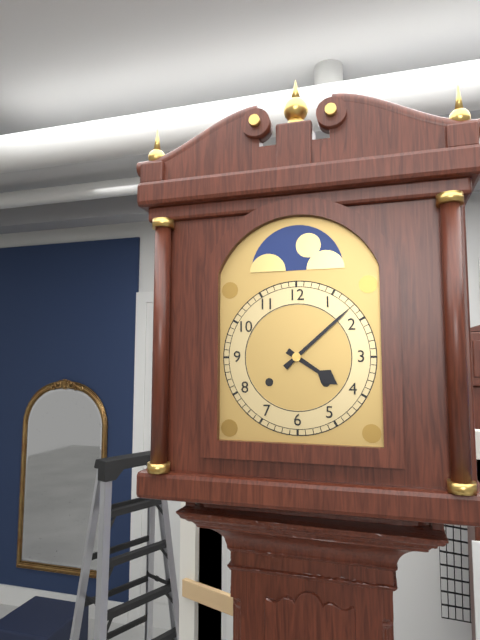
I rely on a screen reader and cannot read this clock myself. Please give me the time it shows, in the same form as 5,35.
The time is 4,08
